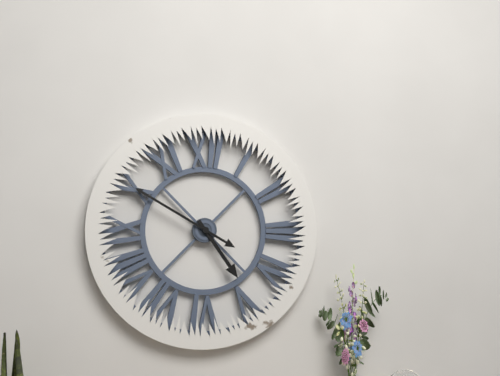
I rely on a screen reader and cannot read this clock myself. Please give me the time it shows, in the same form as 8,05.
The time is 4,50
